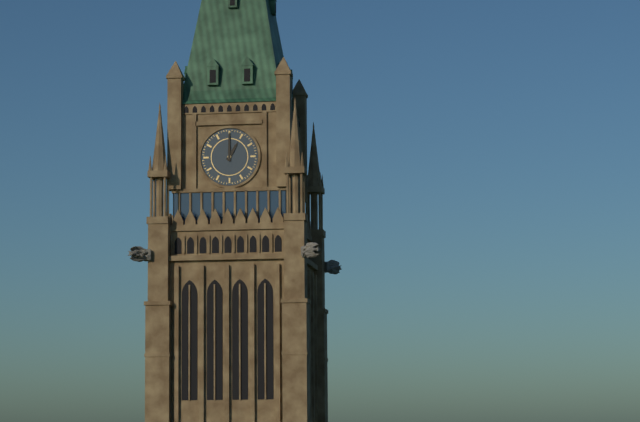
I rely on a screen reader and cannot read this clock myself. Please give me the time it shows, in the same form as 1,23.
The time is 1,00
